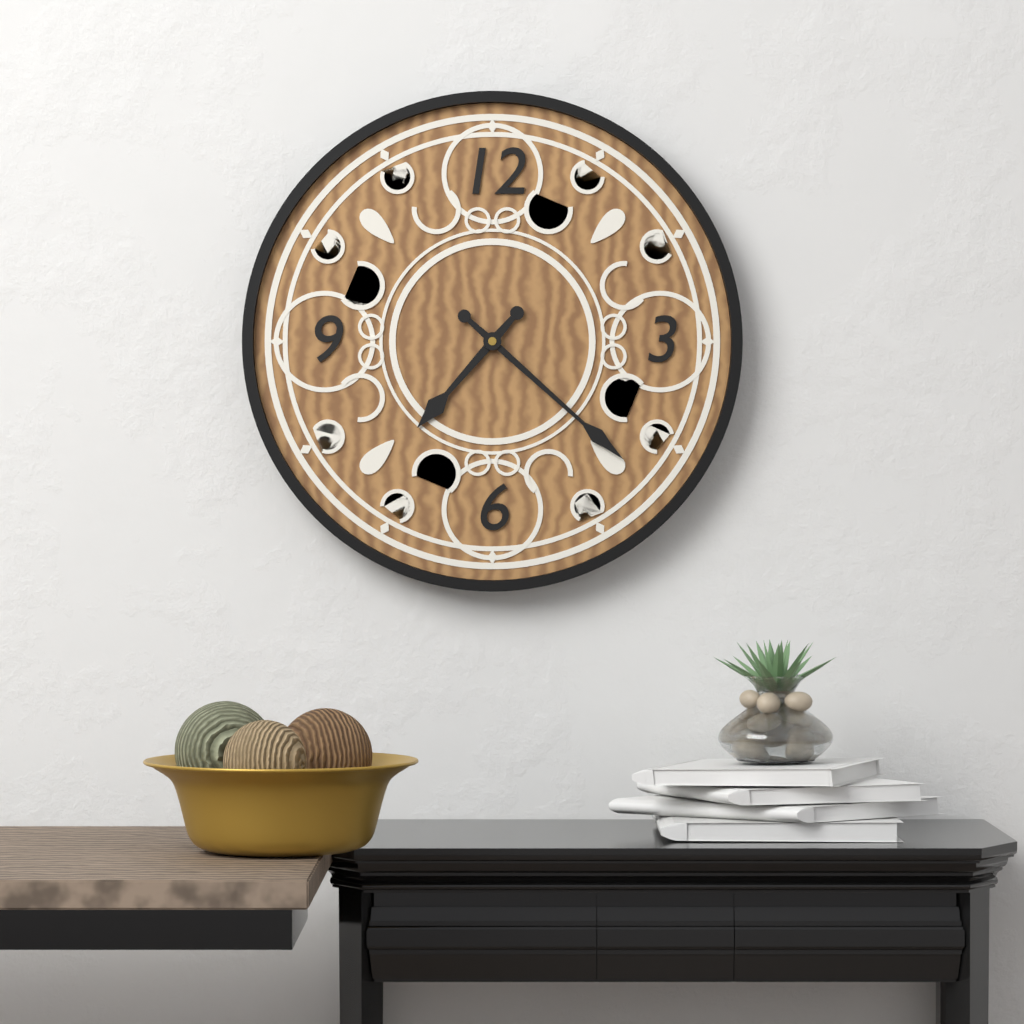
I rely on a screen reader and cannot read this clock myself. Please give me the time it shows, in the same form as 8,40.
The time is 7,22
